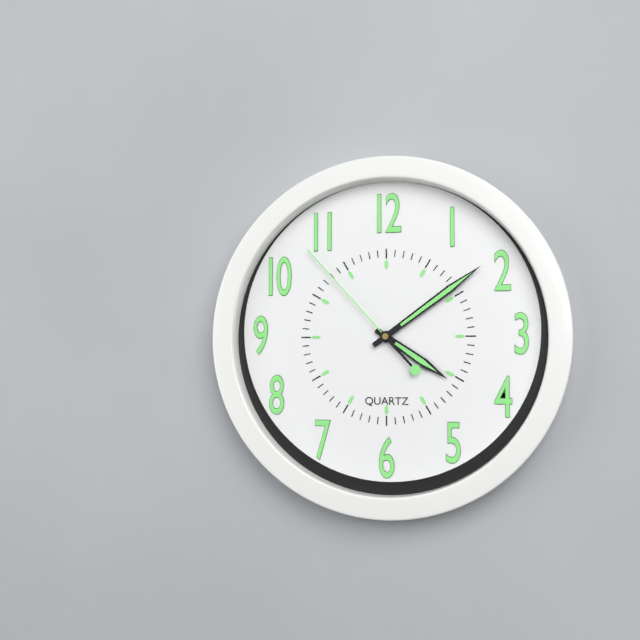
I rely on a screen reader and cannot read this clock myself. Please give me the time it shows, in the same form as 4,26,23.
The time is 4,09,53
